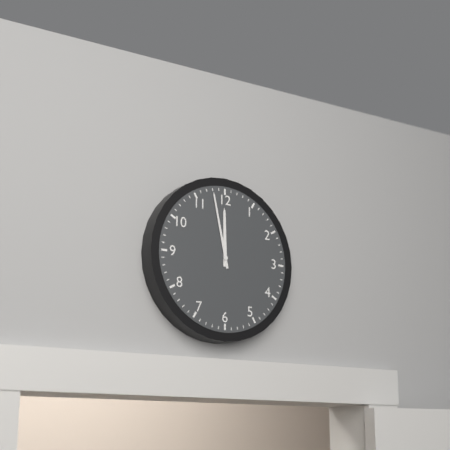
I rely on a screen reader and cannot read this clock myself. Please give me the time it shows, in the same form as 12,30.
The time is 11,58
